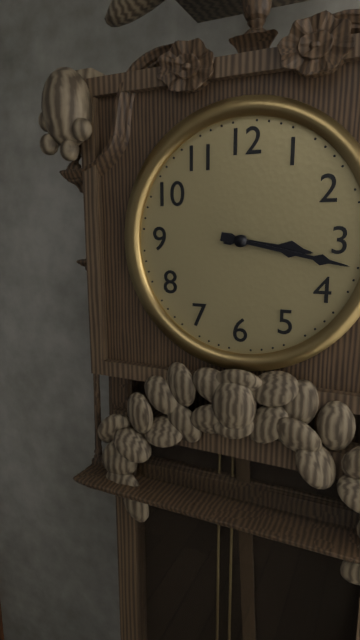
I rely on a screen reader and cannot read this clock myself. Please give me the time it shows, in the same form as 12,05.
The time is 3,17
